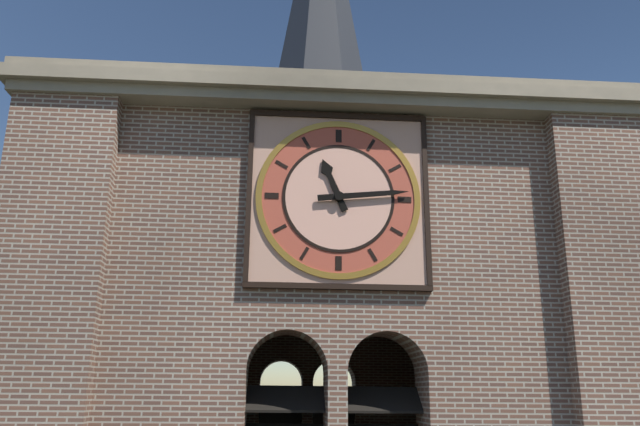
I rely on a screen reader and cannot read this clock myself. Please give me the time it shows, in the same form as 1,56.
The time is 11,14
